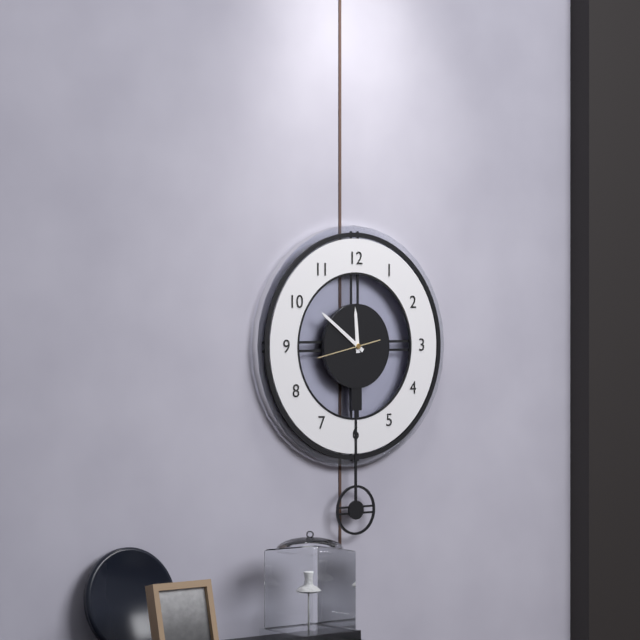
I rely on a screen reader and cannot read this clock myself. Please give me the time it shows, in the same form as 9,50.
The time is 11,51
